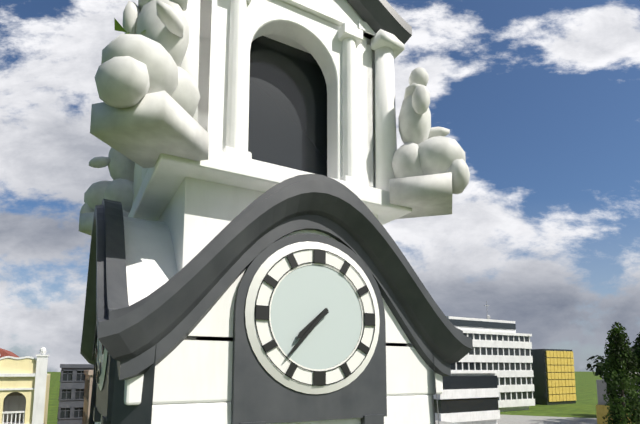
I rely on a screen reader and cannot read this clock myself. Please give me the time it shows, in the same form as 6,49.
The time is 7,37
